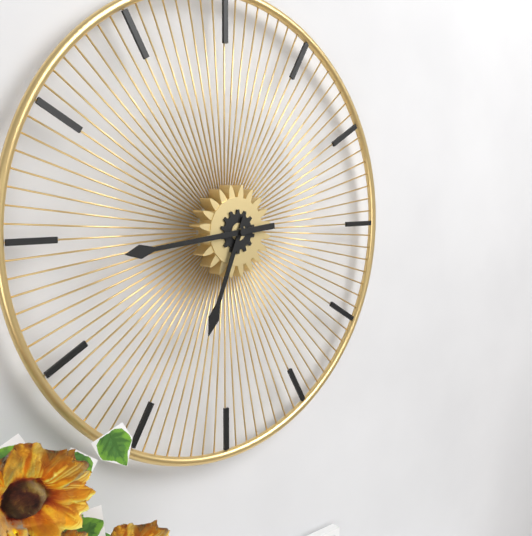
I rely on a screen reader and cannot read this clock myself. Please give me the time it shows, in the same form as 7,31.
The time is 6,44
